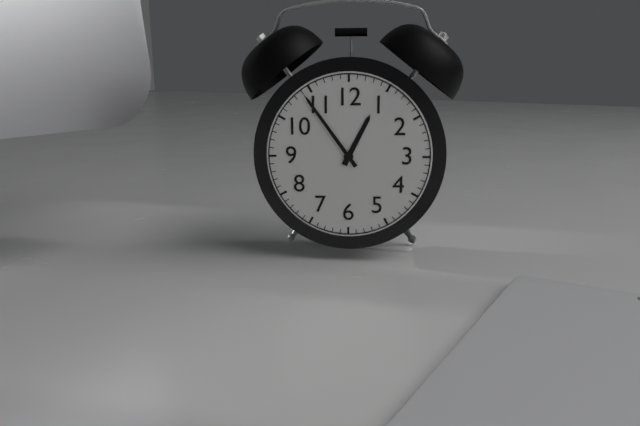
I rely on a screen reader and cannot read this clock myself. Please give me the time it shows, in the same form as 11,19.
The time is 12,54
